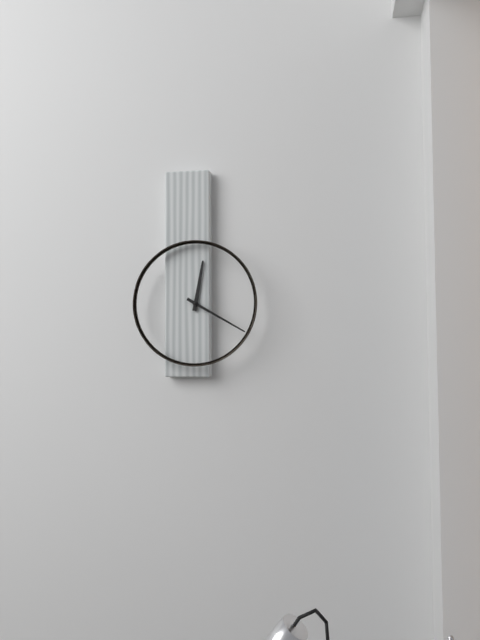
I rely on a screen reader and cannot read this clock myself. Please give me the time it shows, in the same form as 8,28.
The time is 12,20
